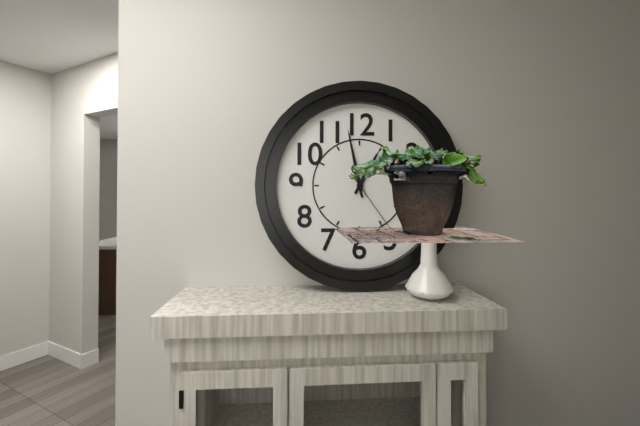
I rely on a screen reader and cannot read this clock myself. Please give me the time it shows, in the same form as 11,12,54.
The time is 12,58,24
